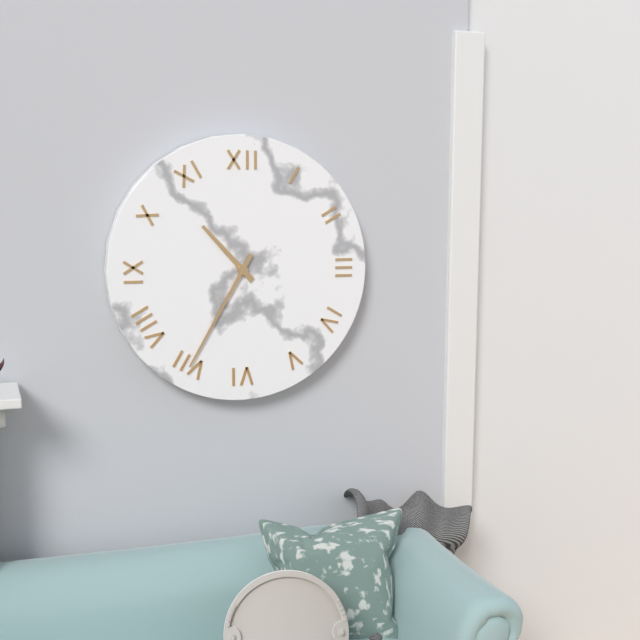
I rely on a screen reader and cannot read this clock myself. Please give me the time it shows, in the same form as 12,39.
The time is 10,35
